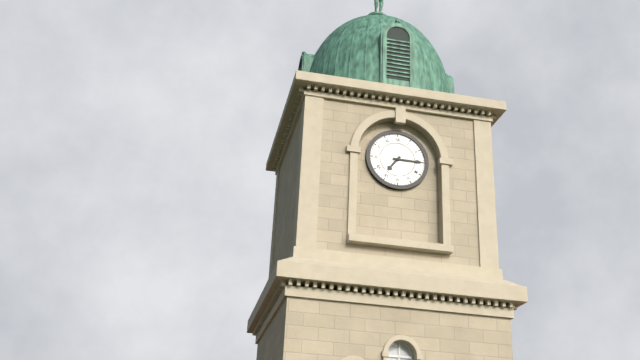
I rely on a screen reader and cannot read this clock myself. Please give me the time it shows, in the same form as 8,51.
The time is 7,15
